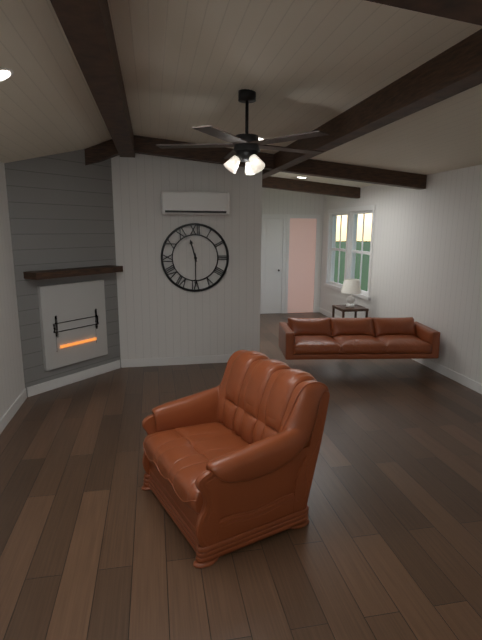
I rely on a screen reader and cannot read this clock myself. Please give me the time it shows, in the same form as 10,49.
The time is 11,30
